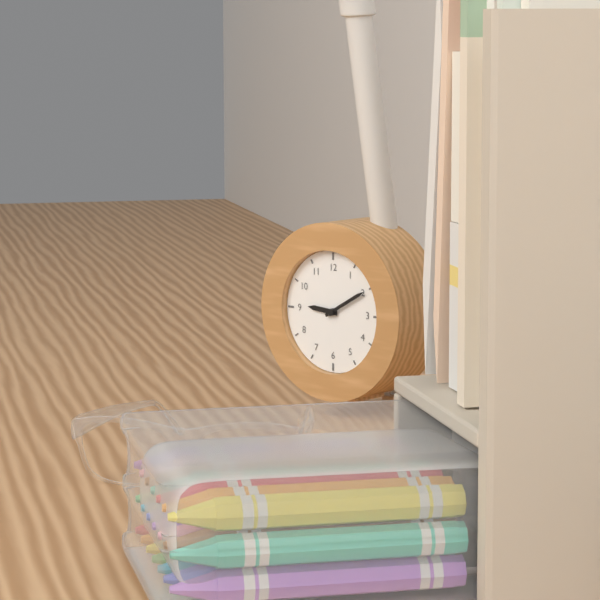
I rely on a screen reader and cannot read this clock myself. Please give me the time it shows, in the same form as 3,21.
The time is 9,10
